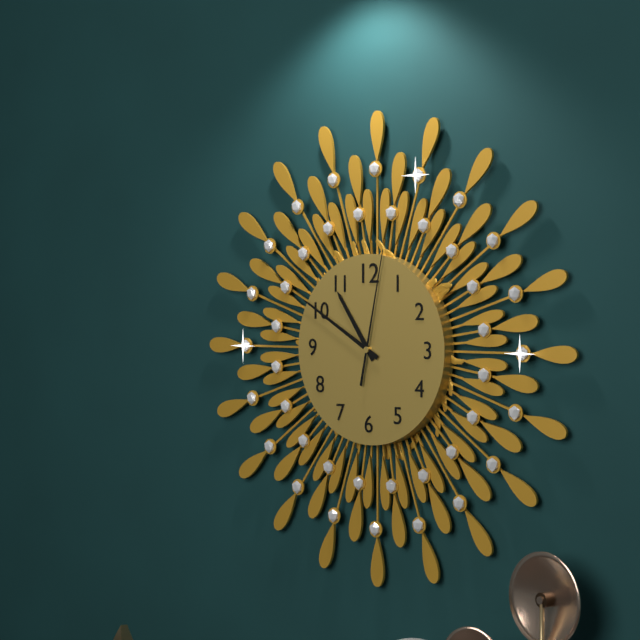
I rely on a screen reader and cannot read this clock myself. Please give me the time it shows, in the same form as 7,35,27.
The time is 10,50,02
